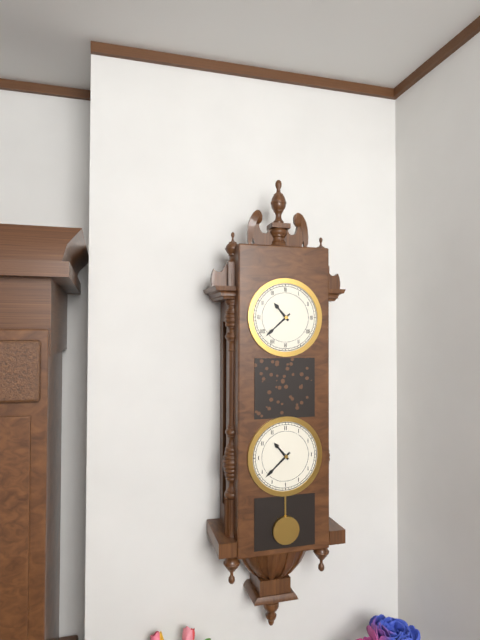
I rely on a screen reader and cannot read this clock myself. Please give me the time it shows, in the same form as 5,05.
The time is 10,38
